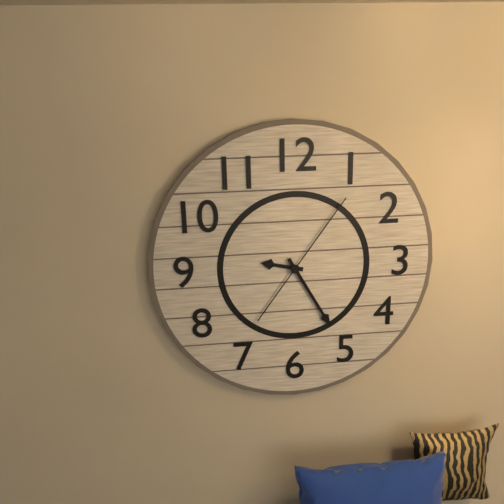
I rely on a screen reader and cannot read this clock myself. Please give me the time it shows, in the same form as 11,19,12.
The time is 9,25,06
